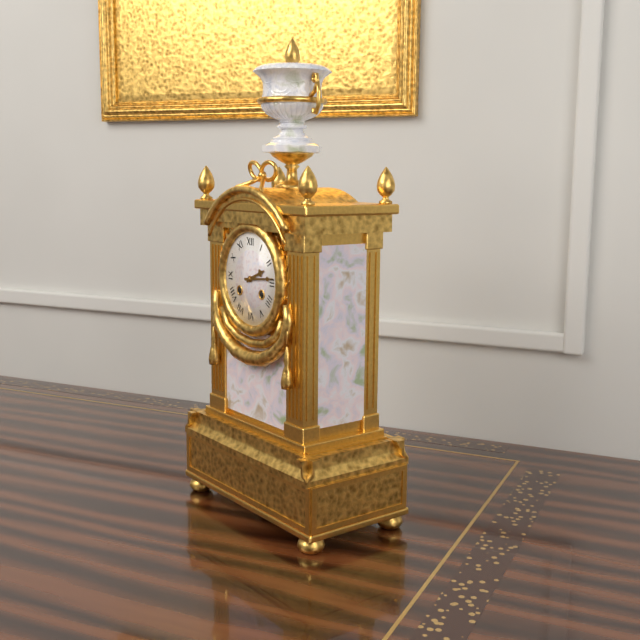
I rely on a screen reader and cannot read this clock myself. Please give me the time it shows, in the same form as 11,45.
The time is 2,14
